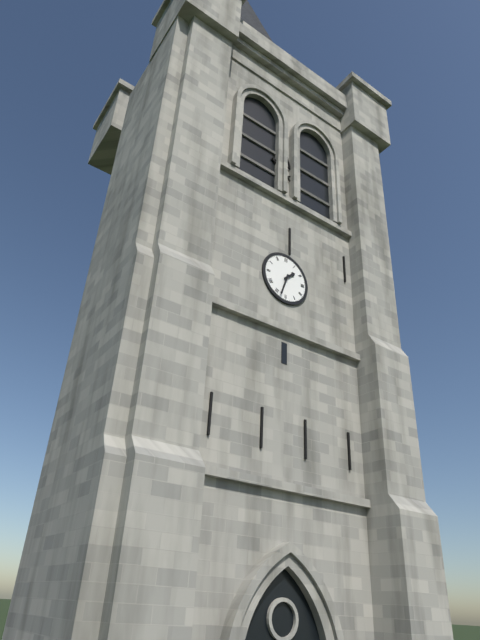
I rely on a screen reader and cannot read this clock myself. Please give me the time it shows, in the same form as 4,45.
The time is 1,33
